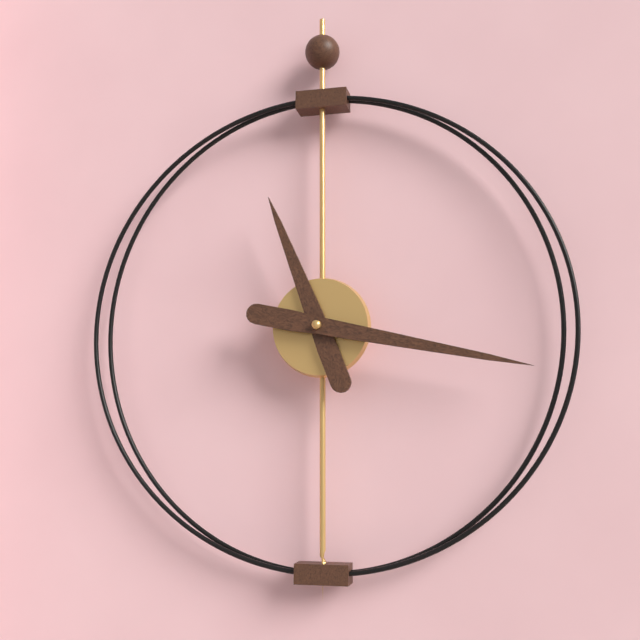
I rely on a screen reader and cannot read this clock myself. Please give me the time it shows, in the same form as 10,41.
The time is 11,17
